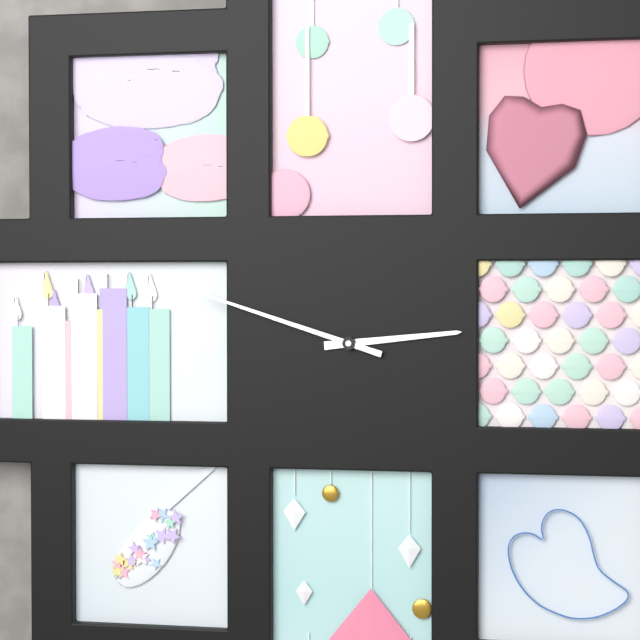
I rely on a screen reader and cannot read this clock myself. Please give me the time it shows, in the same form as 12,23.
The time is 2,48
